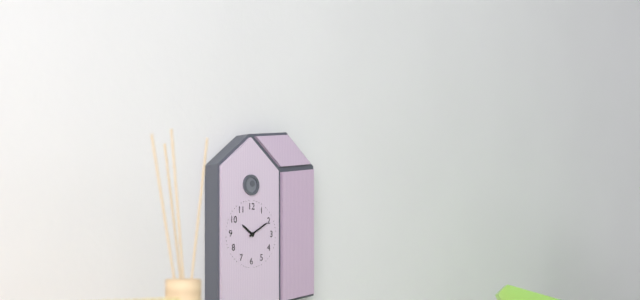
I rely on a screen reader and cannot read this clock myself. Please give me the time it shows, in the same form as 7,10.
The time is 10,10
